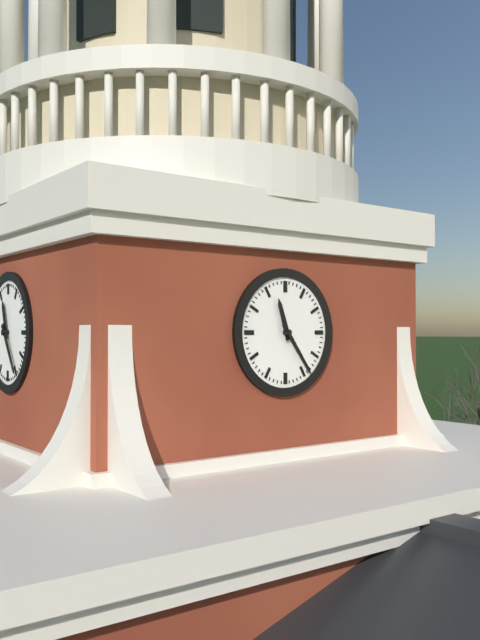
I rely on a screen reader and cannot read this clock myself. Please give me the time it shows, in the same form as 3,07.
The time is 11,24
